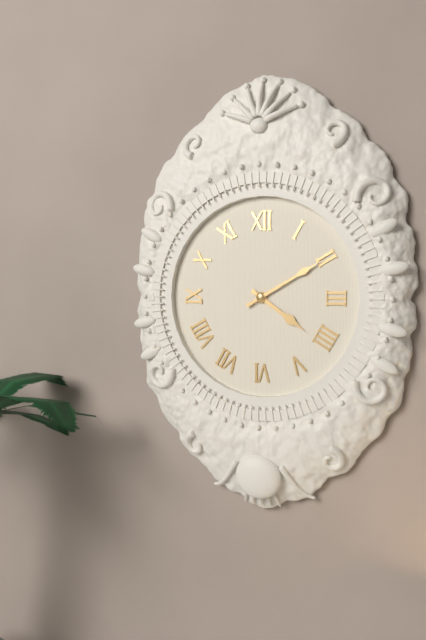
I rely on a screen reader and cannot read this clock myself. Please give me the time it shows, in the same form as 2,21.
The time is 4,10
